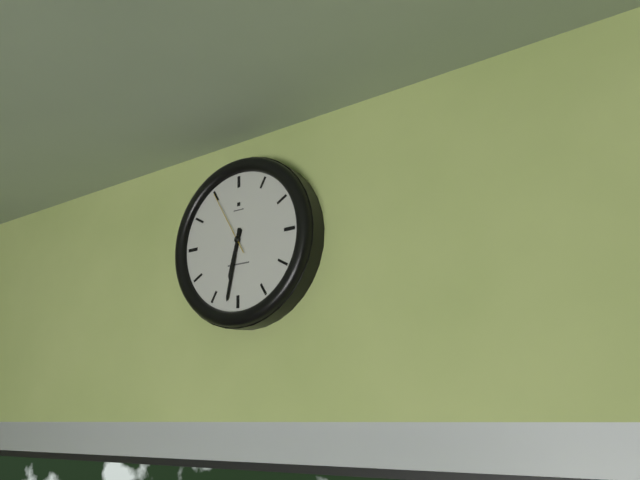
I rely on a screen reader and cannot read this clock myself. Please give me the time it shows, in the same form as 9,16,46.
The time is 6,32,55
